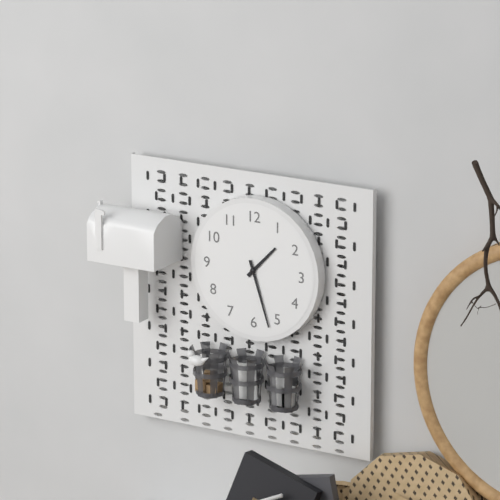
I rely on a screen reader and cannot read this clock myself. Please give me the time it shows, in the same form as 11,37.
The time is 1,27
